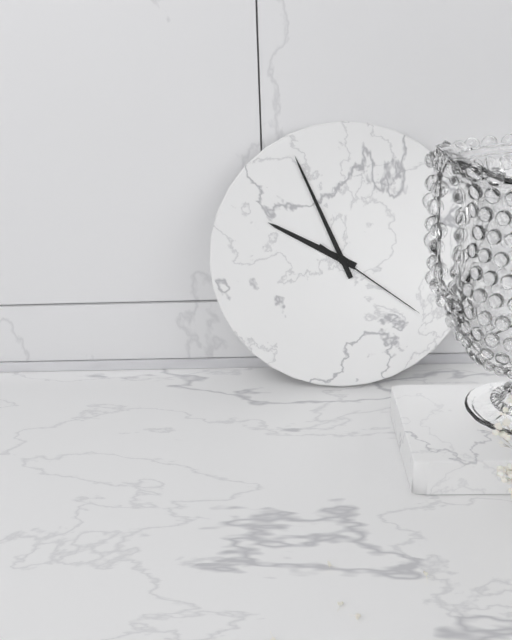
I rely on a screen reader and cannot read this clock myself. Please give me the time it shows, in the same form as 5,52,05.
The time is 9,56,21
